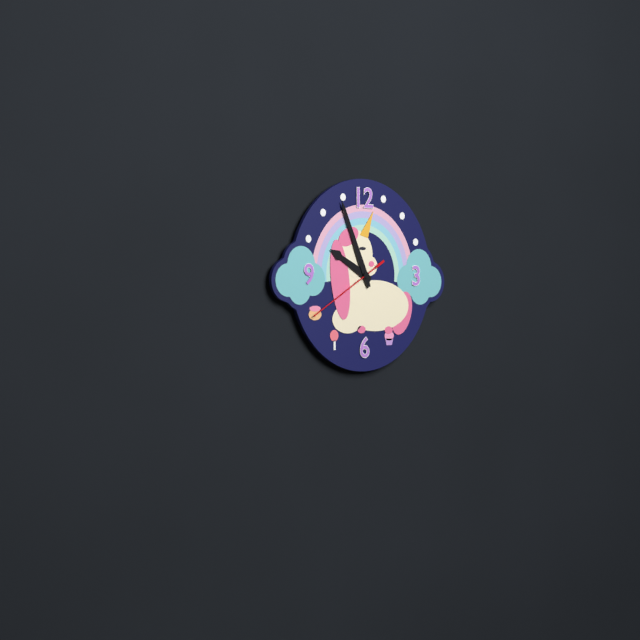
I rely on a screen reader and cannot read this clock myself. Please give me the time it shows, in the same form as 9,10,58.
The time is 9,56,40
